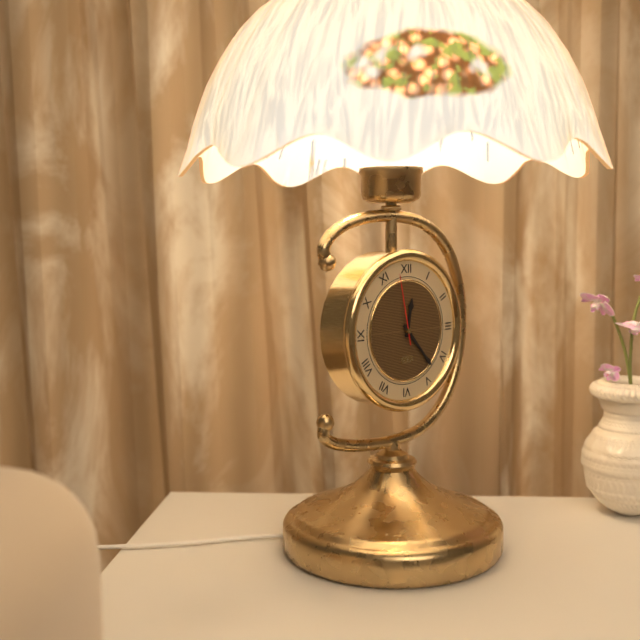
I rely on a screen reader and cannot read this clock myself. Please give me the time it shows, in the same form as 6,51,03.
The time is 12,23,58
